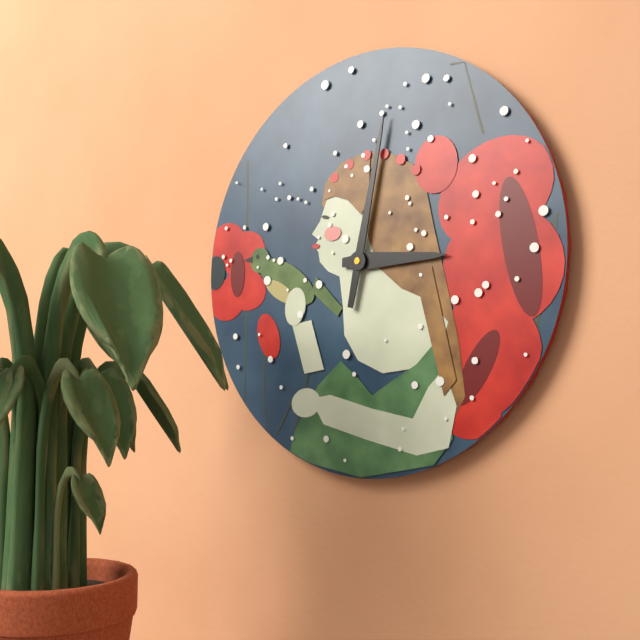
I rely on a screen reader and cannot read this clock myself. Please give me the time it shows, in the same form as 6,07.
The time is 3,02
